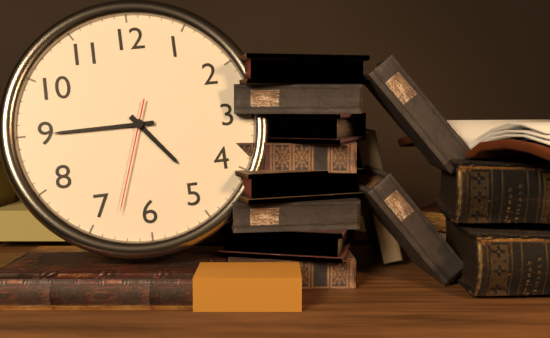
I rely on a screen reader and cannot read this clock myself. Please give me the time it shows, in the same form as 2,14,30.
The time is 4,45,33
